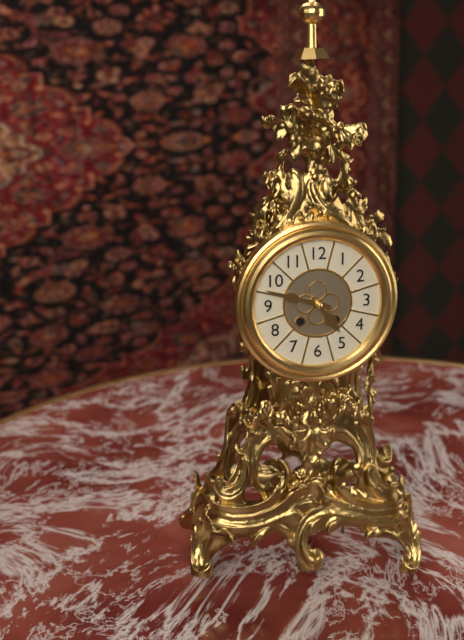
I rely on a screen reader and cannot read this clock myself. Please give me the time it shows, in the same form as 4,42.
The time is 4,48
